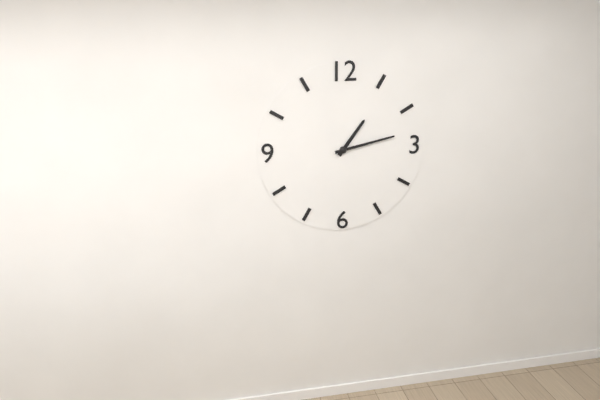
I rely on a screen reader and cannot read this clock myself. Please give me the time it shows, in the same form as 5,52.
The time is 1,13
